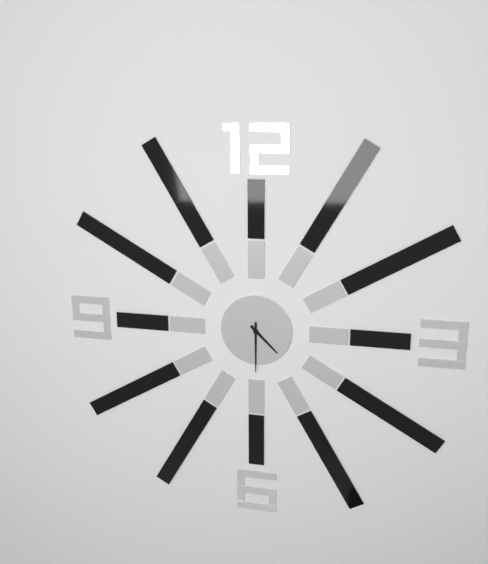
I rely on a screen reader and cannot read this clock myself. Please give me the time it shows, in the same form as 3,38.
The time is 4,30
